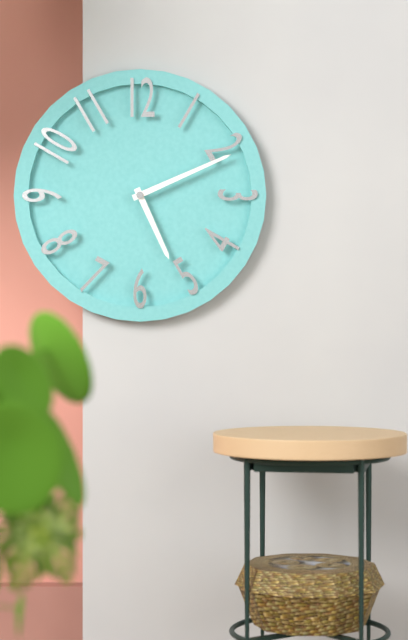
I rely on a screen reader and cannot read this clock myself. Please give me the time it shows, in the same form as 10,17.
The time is 5,11
